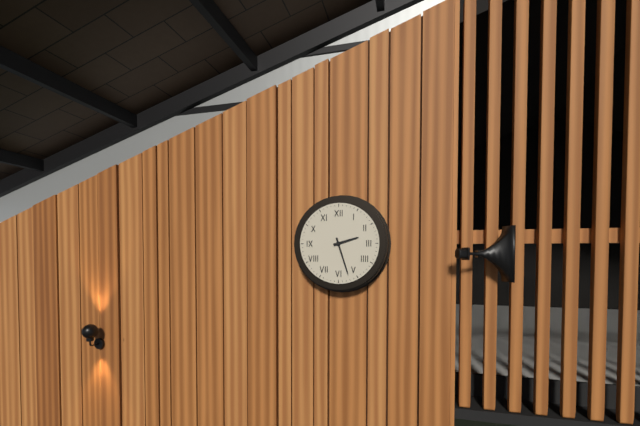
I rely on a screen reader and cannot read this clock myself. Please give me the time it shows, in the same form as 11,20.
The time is 2,27
